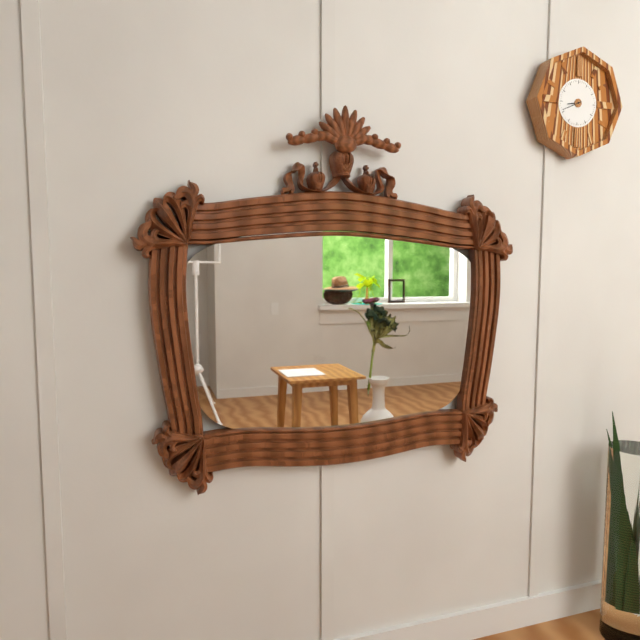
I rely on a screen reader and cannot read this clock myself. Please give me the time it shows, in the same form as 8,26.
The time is 8,41
